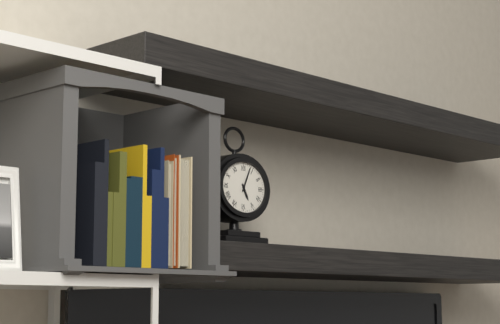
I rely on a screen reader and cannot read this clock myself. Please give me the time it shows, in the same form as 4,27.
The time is 5,04
